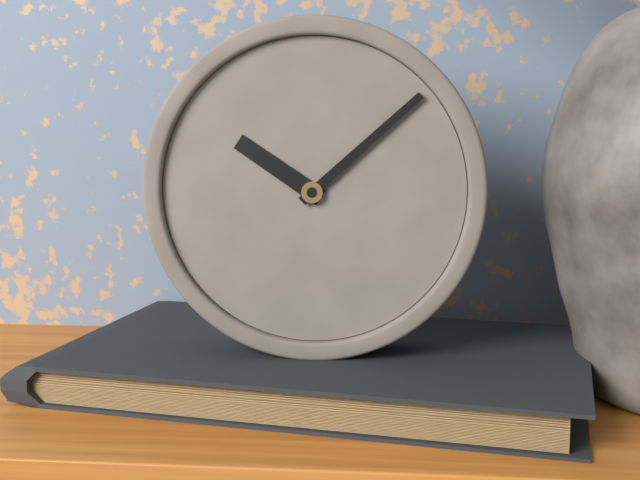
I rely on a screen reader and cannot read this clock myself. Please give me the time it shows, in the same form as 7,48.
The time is 10,08
